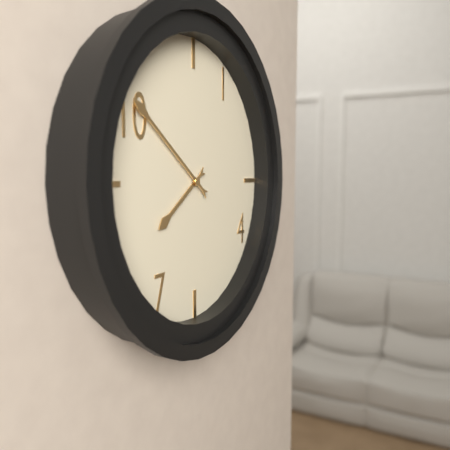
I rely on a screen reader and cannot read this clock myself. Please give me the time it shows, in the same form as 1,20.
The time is 7,51
